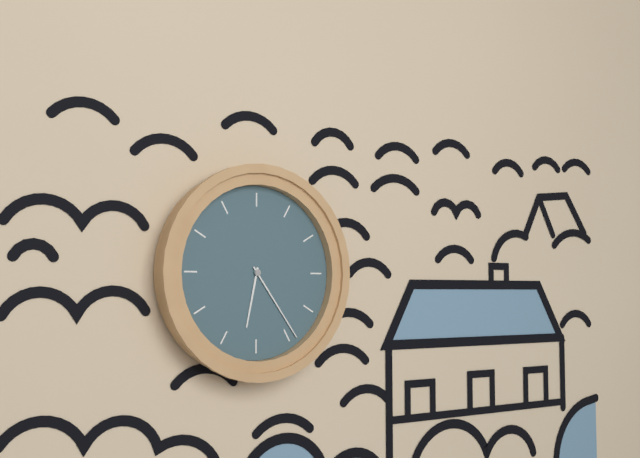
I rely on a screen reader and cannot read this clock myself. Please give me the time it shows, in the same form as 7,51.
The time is 6,24
